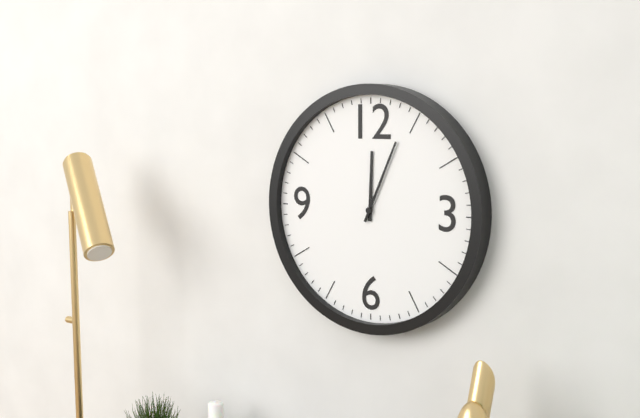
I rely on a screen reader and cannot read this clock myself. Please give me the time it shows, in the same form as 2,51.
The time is 12,04
